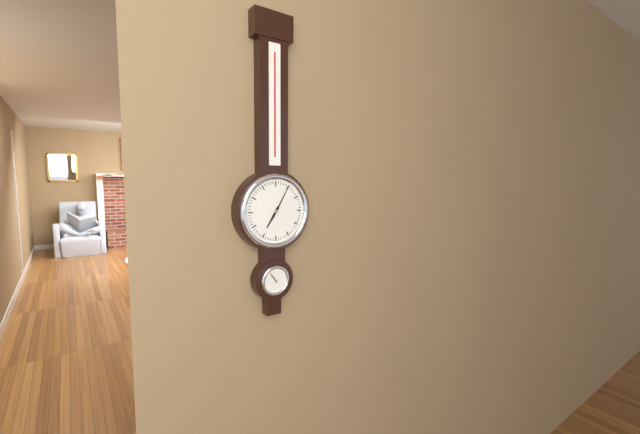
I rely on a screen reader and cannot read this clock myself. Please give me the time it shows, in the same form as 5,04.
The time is 7,05
